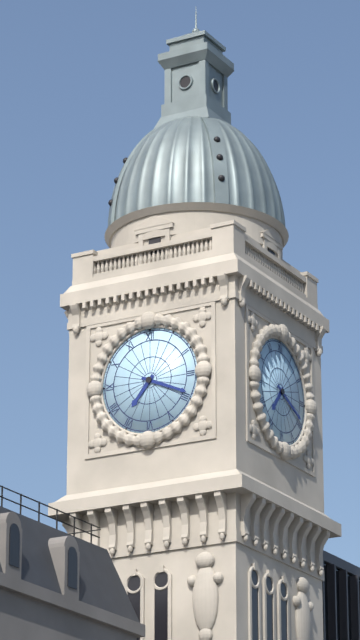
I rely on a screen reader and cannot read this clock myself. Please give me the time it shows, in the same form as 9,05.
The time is 7,19
